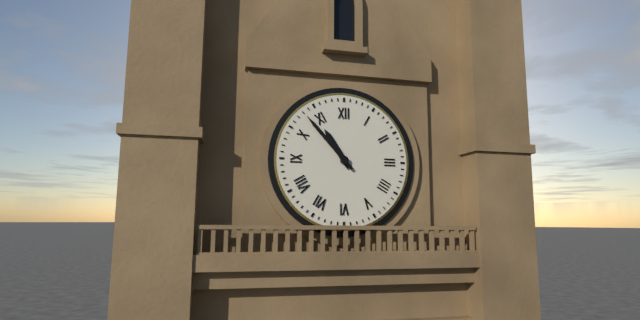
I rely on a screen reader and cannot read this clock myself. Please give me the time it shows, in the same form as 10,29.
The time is 10,53
